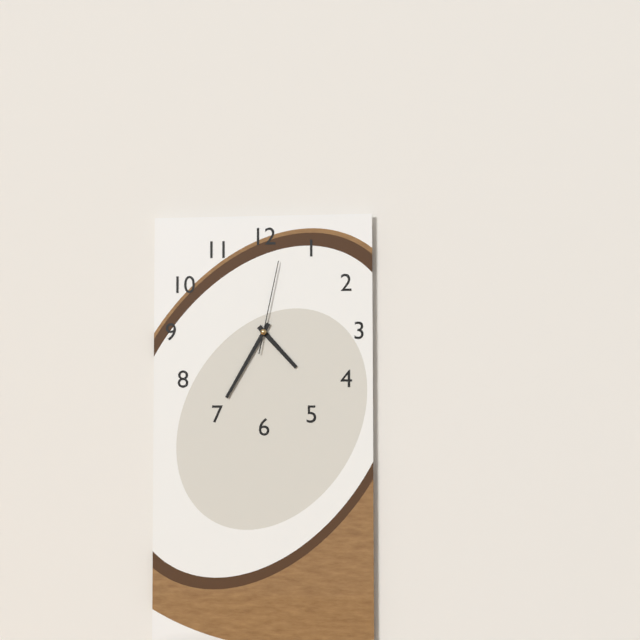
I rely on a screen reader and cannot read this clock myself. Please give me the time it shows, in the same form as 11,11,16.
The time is 4,35,02
